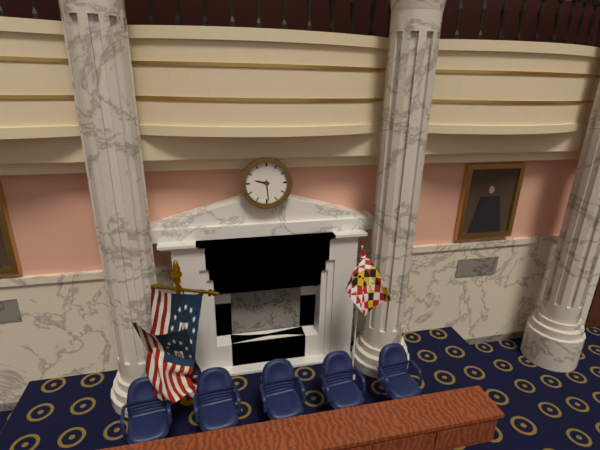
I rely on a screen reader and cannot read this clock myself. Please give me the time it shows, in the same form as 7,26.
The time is 9,29
